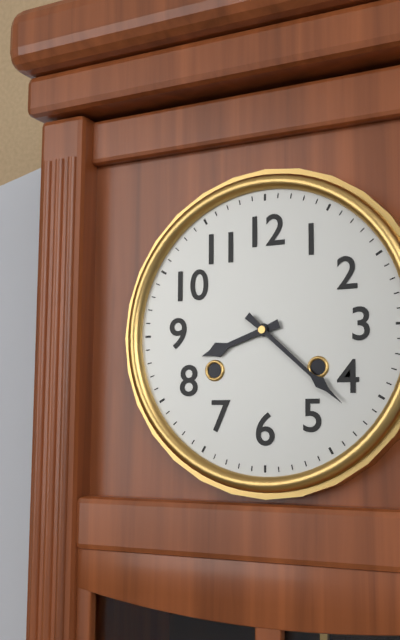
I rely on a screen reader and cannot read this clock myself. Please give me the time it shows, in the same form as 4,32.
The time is 8,22
